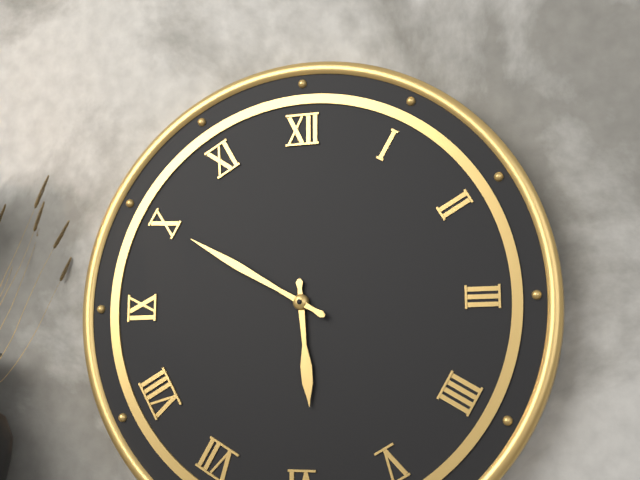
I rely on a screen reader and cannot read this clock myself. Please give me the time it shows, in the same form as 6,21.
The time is 5,50
